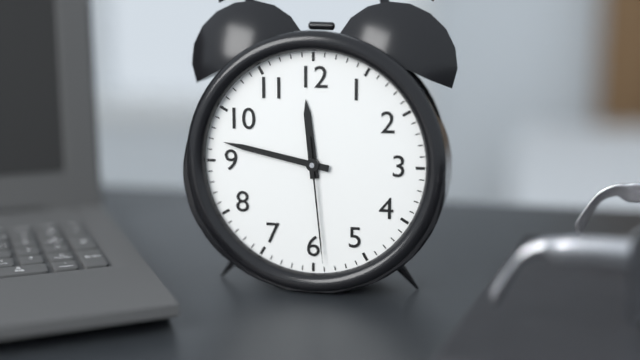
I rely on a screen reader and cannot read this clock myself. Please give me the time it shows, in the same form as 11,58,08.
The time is 11,47,29
